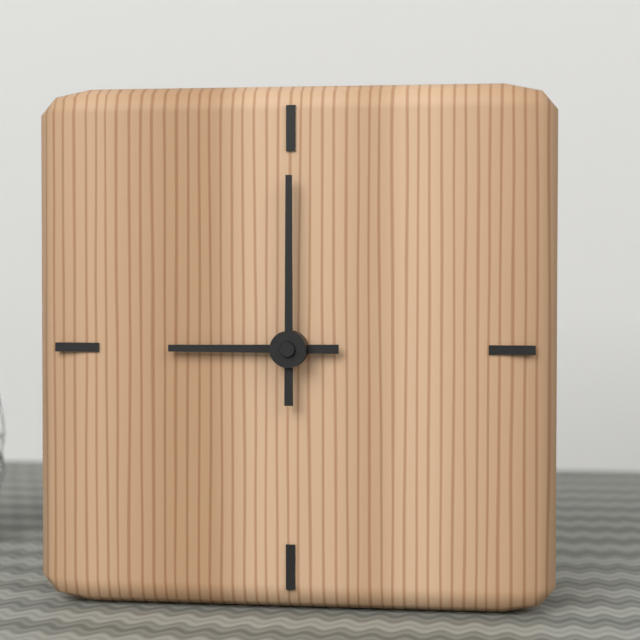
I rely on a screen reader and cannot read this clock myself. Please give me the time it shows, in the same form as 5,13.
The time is 9,00
